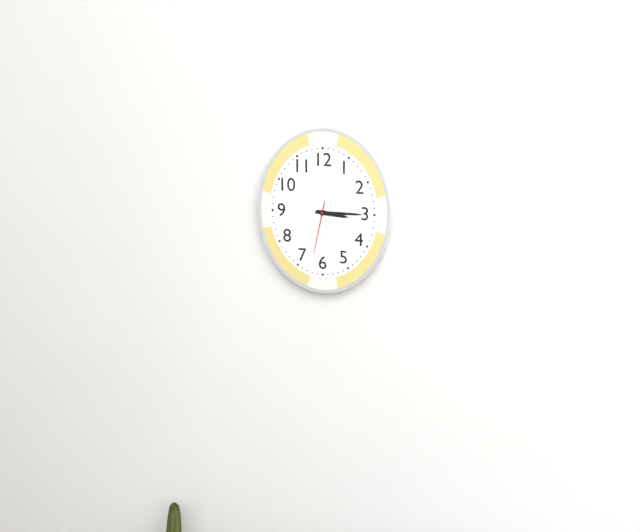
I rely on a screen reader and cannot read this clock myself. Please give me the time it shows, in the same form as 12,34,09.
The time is 3,15,32
